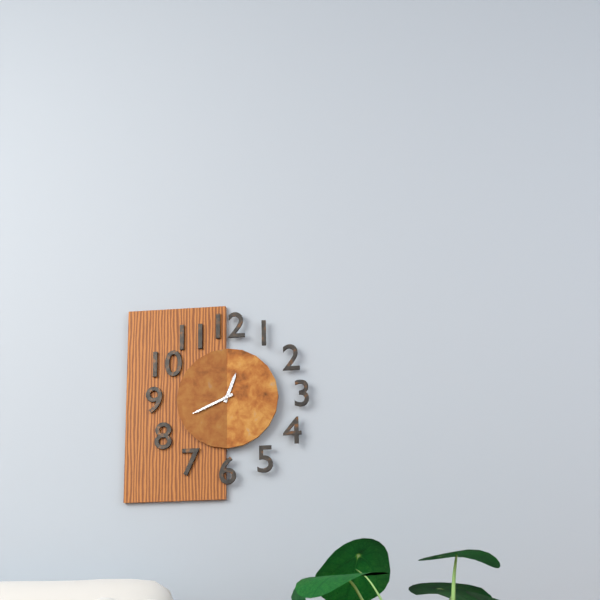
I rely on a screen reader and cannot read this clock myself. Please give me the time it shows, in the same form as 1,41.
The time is 12,41
